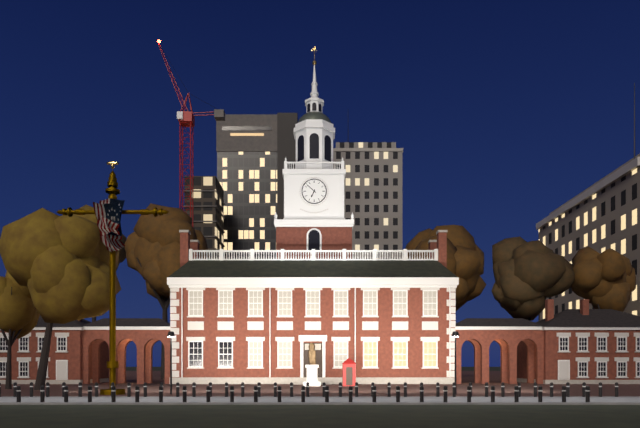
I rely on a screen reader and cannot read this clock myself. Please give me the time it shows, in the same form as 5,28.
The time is 6,52
